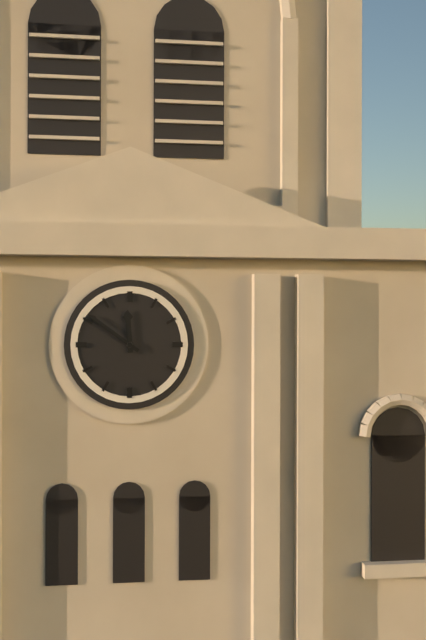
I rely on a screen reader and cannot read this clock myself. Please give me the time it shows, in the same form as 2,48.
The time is 11,51
